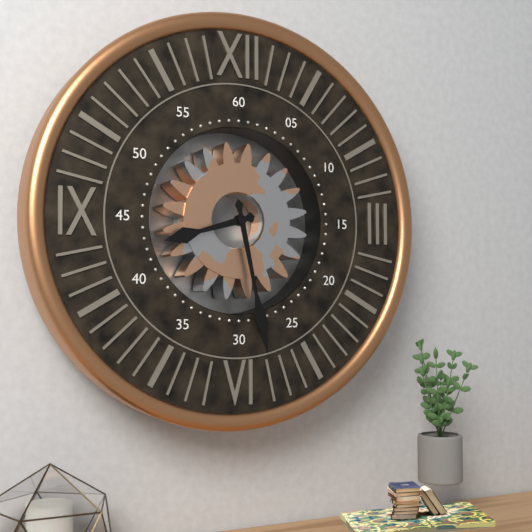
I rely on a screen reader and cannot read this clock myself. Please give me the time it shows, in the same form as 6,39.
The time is 8,28
